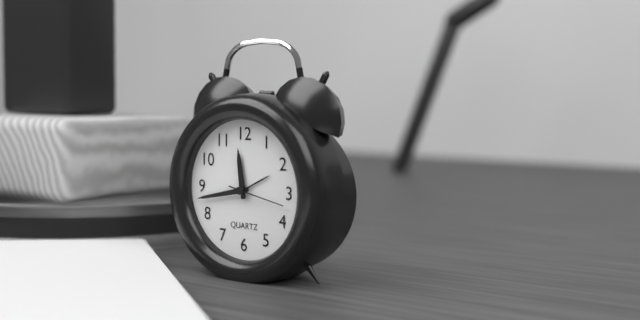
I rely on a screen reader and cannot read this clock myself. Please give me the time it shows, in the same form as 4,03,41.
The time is 11,43,17
